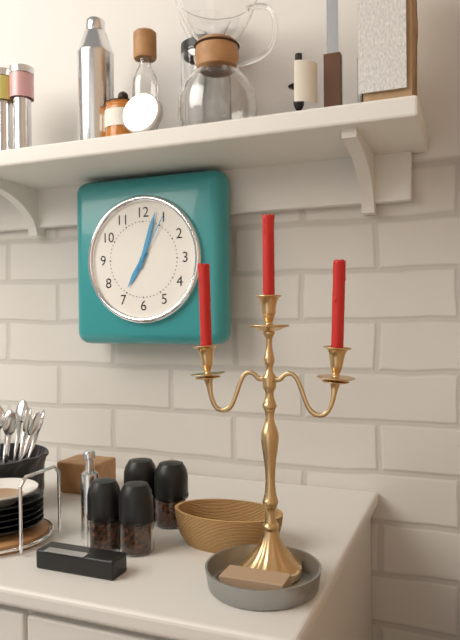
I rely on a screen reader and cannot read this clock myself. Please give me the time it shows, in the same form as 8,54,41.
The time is 7,03,05
